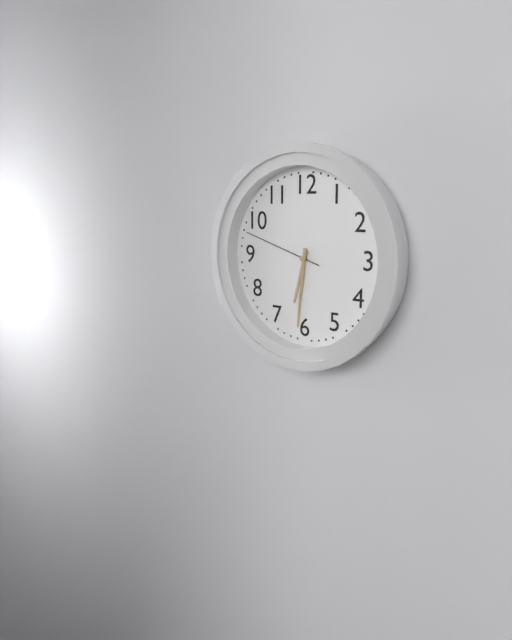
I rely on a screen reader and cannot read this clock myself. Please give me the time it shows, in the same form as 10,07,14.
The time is 6,31,48
